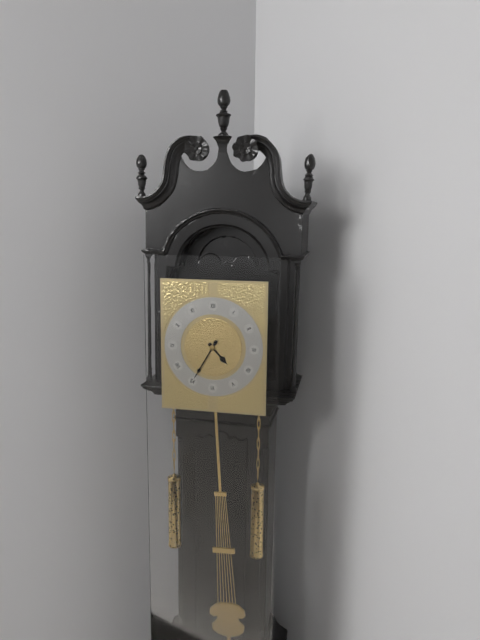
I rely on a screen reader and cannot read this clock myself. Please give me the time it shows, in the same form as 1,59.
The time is 4,35
